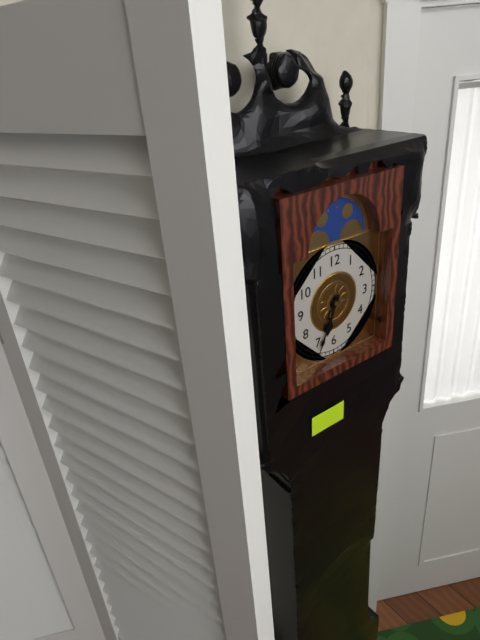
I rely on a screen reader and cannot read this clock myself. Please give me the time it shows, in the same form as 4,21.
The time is 6,34
